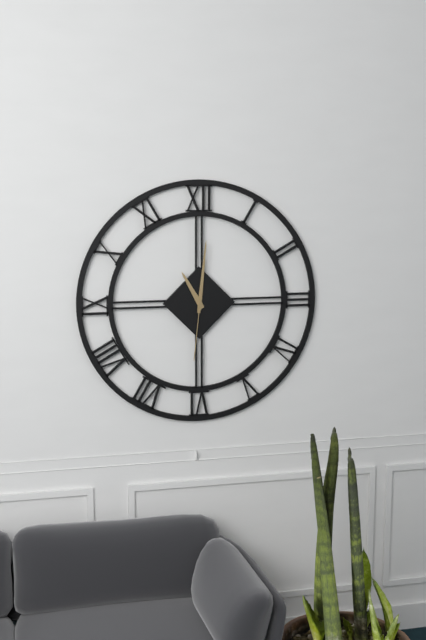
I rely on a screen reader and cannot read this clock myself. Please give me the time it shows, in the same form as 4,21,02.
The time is 11,01,31
